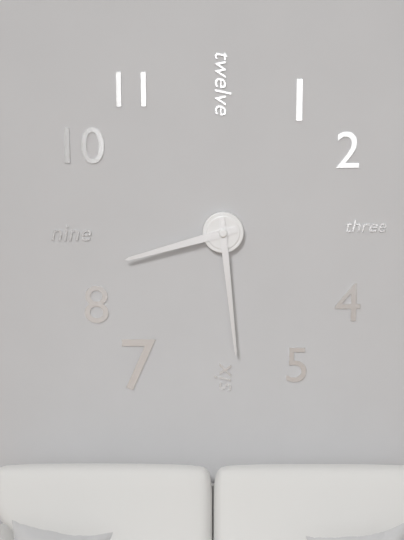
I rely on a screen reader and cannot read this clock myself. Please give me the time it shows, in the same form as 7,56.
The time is 8,29
